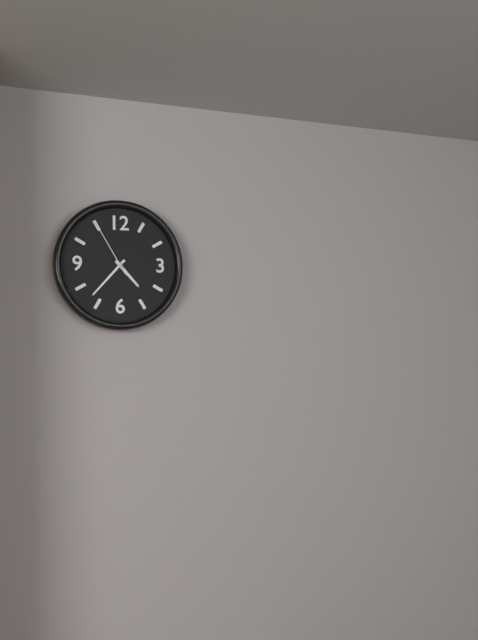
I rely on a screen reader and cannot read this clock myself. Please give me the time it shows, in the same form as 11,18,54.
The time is 4,37,55
